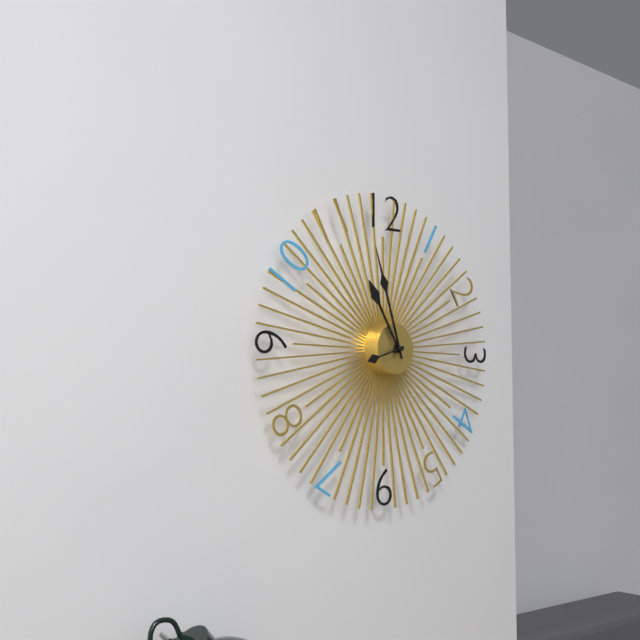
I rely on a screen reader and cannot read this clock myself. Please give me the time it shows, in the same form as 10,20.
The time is 10,57
